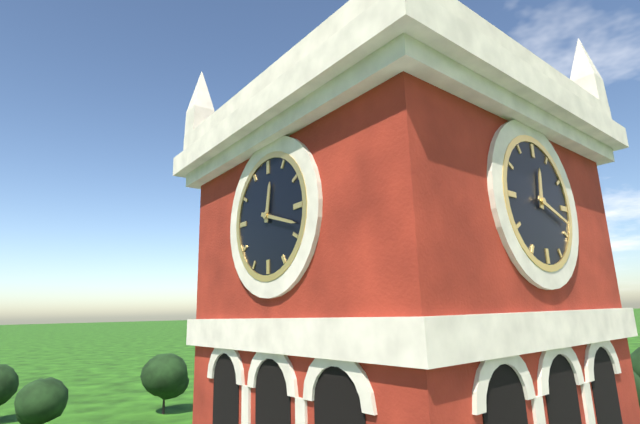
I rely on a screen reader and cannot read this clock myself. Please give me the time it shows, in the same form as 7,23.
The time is 12,18
